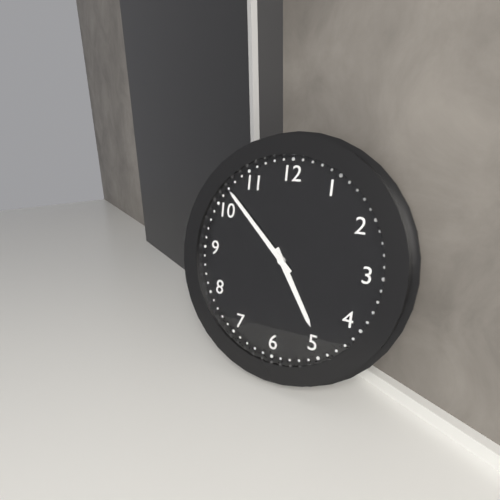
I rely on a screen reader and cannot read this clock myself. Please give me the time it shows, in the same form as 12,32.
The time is 4,52
